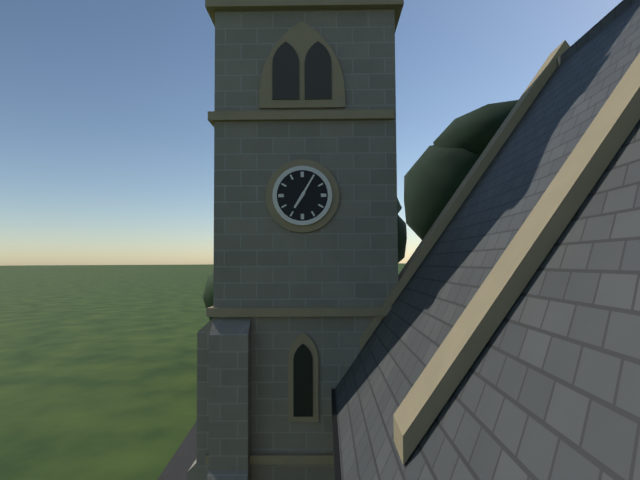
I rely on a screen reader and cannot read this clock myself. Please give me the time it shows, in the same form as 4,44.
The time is 7,05
